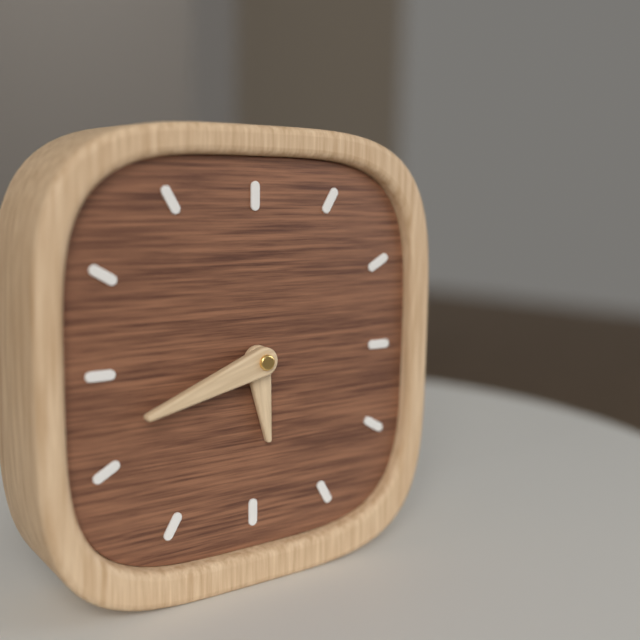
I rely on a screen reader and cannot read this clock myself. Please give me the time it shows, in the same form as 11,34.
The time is 5,42
